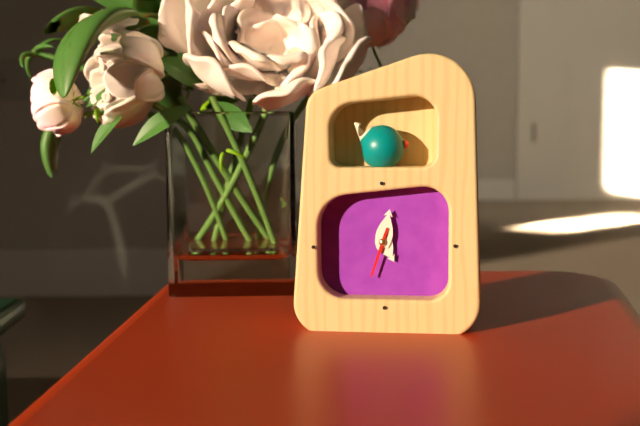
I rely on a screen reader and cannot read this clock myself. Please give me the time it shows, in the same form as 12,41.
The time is 5,02
